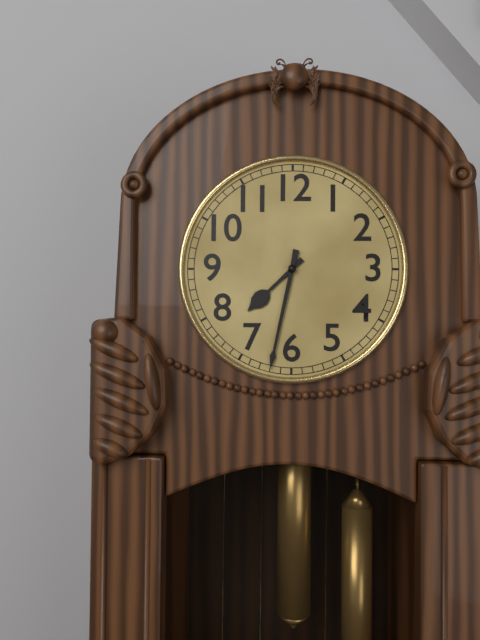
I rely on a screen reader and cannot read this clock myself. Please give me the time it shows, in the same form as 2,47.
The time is 7,32
